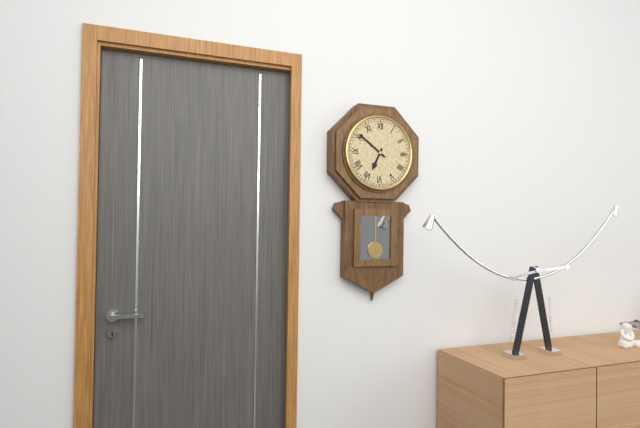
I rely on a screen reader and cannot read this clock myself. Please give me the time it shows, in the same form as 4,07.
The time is 6,51
